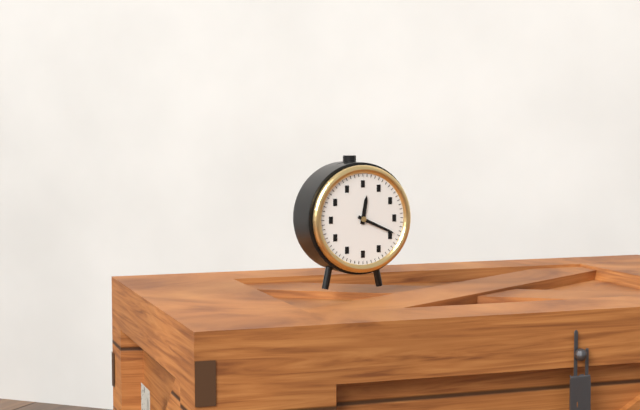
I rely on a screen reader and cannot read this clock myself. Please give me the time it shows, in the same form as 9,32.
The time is 12,19
